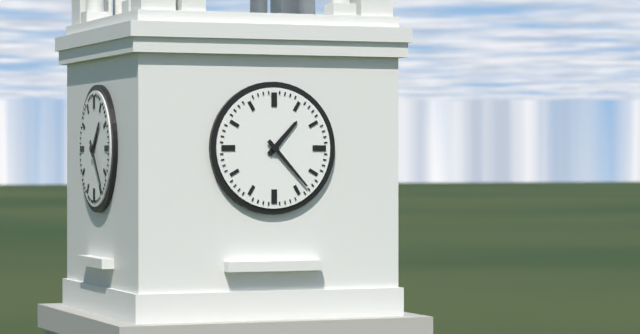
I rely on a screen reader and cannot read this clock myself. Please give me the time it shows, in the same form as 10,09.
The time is 1,23
